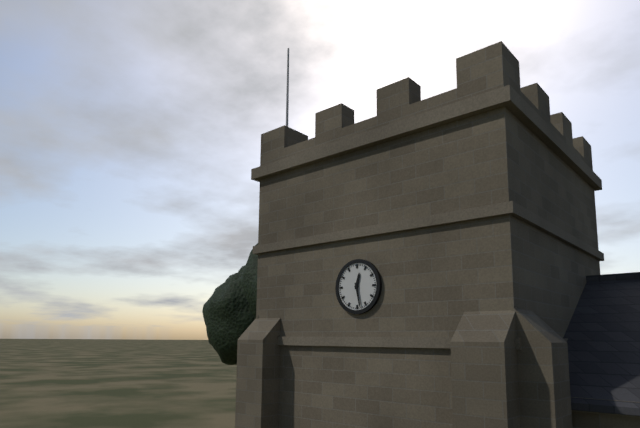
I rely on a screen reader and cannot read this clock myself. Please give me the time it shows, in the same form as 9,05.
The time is 12,28
